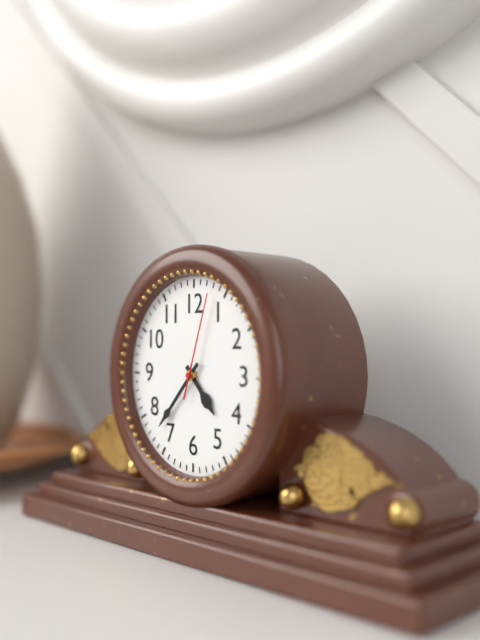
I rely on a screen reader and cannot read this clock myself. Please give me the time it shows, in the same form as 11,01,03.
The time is 4,37,03
